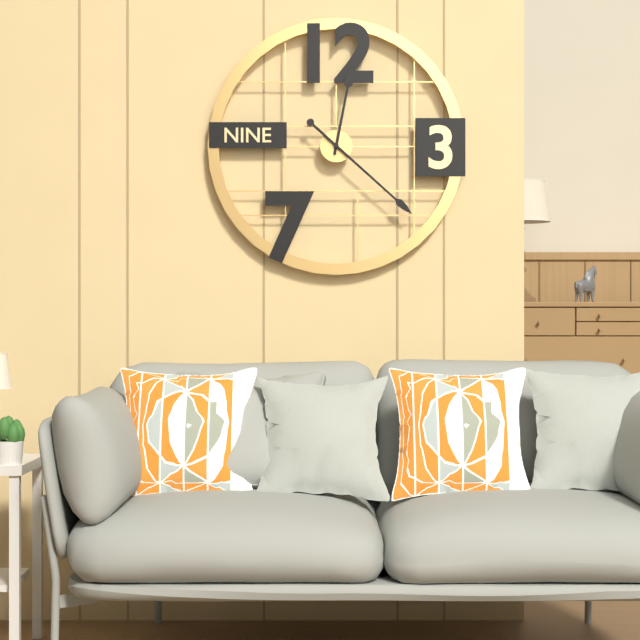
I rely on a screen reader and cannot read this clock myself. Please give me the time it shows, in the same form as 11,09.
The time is 12,22
